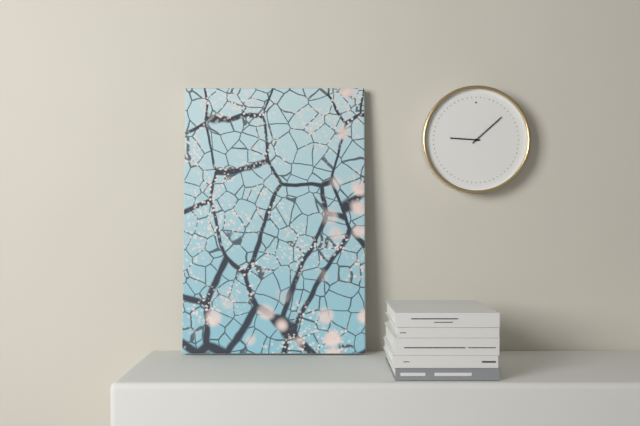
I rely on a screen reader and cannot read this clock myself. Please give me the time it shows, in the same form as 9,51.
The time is 9,08
